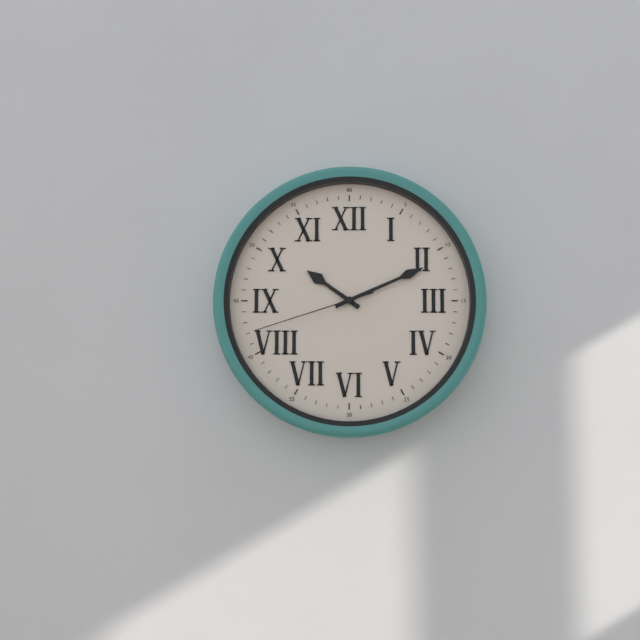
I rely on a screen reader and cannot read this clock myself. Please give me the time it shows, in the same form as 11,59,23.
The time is 10,11,42
